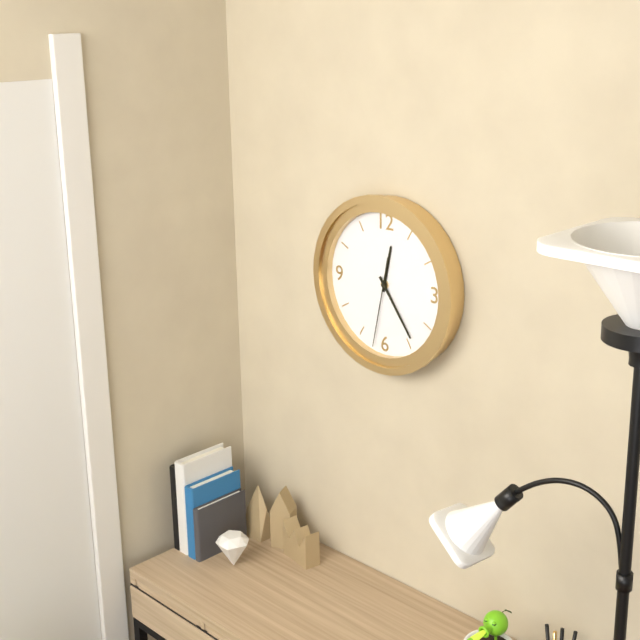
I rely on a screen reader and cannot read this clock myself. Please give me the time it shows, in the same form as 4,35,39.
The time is 12,24,32
